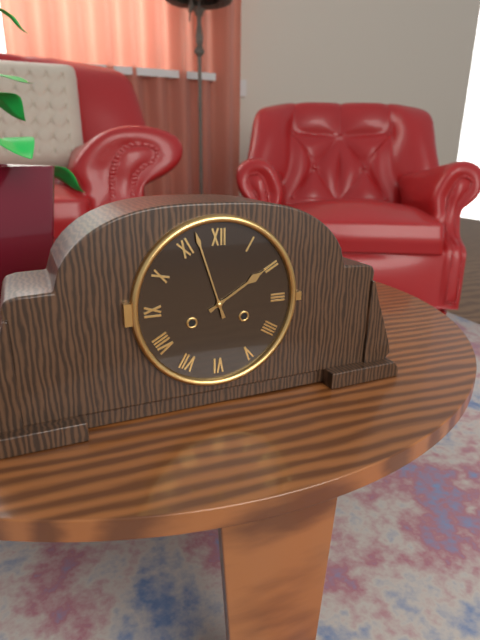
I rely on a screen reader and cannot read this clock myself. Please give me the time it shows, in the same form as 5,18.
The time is 1,57
